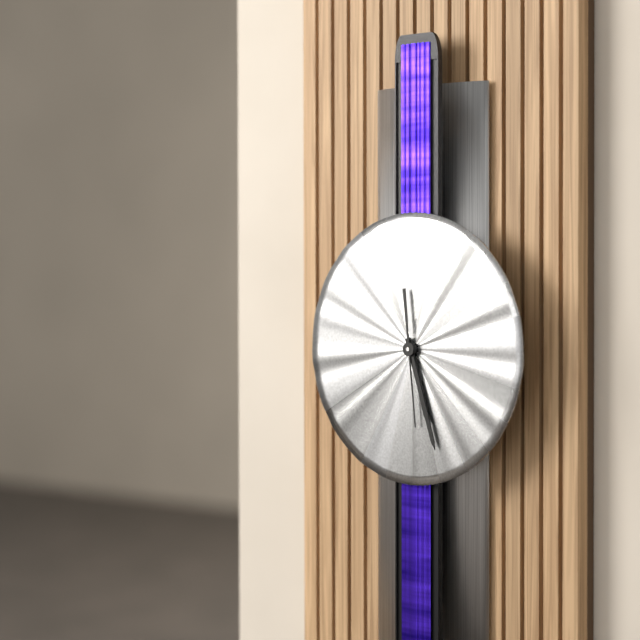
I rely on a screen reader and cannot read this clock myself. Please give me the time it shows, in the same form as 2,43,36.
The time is 5,27,29
